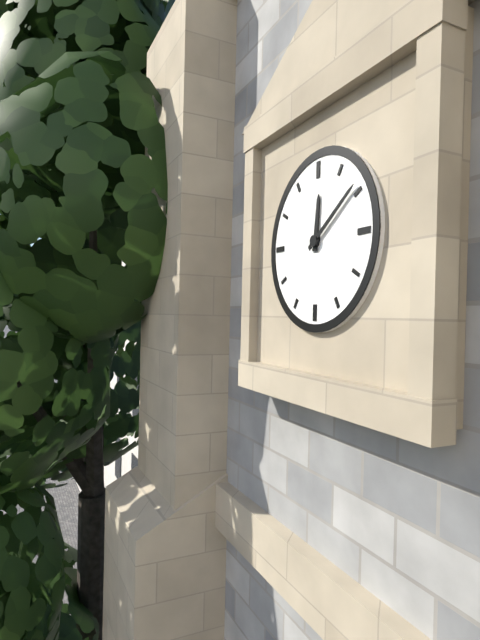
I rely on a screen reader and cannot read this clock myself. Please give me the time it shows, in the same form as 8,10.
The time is 12,09
